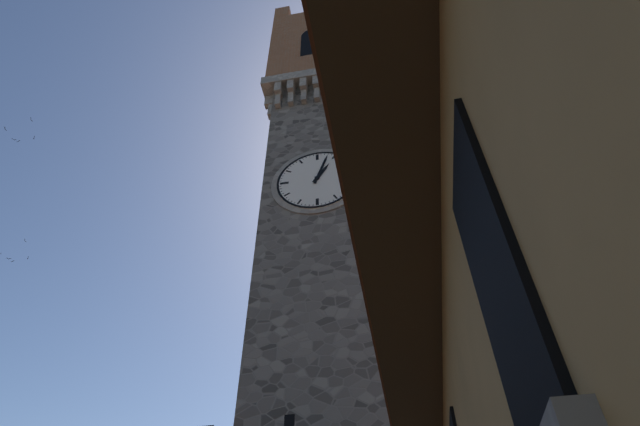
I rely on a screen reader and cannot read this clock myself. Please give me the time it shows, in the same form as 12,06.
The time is 1,03
